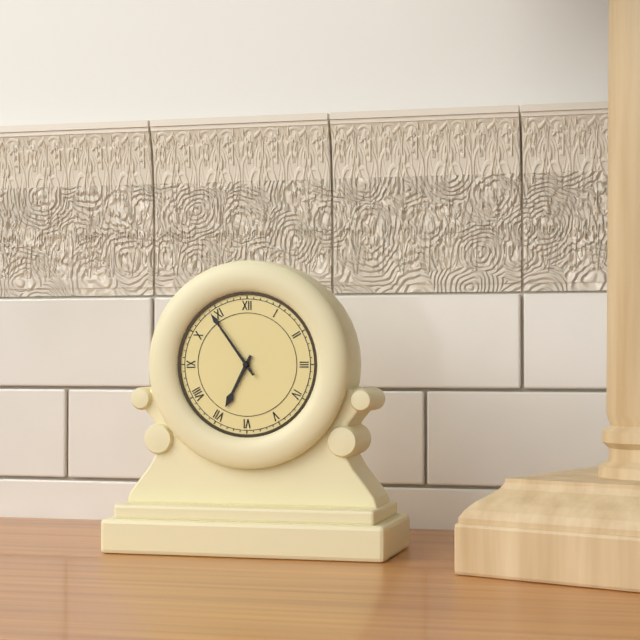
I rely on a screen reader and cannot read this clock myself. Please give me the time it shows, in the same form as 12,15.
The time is 6,54
